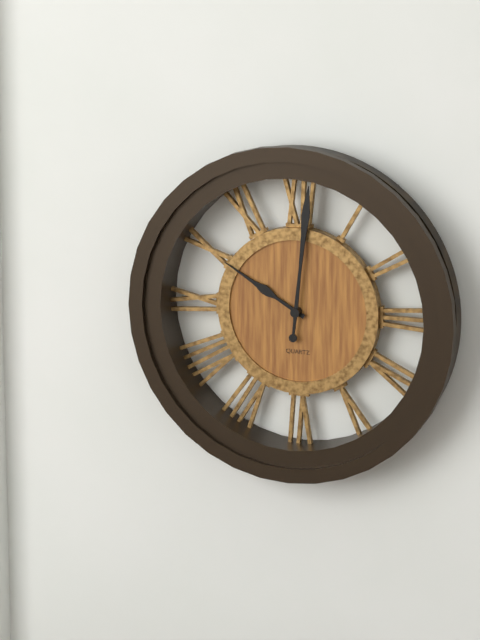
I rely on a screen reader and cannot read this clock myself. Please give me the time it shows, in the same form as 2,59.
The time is 10,01
